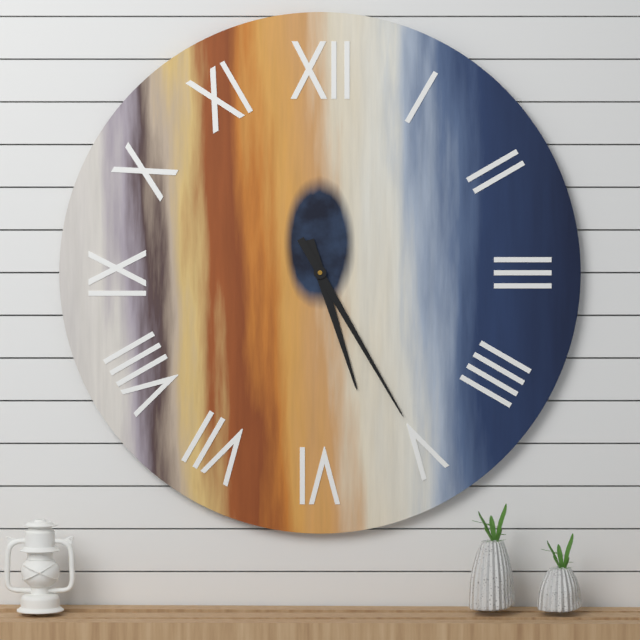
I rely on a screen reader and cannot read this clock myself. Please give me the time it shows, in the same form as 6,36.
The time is 5,25
